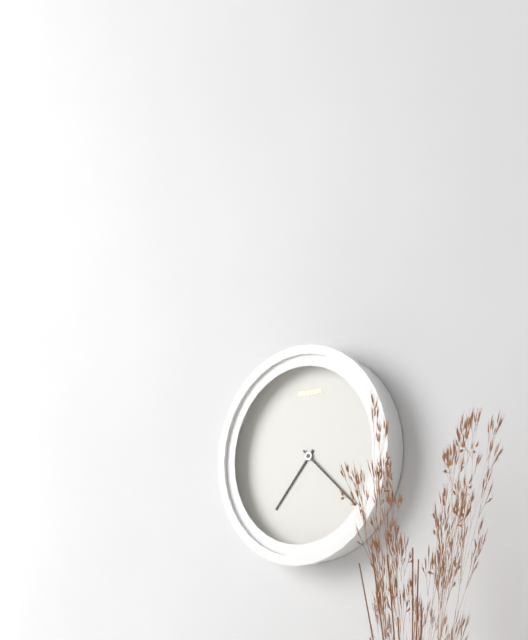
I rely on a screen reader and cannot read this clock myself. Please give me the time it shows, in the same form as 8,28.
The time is 7,22
